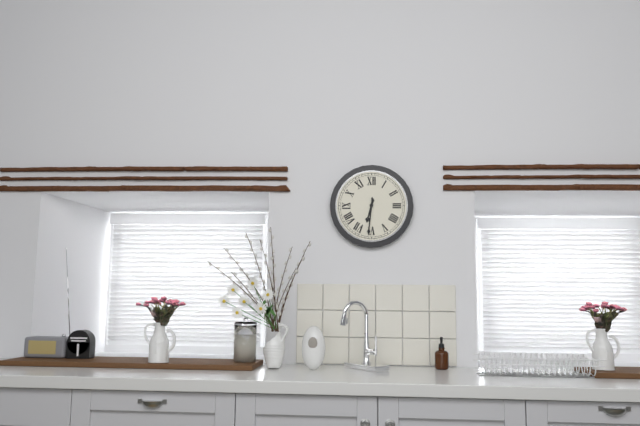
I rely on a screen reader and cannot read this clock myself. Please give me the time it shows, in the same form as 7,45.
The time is 6,31
